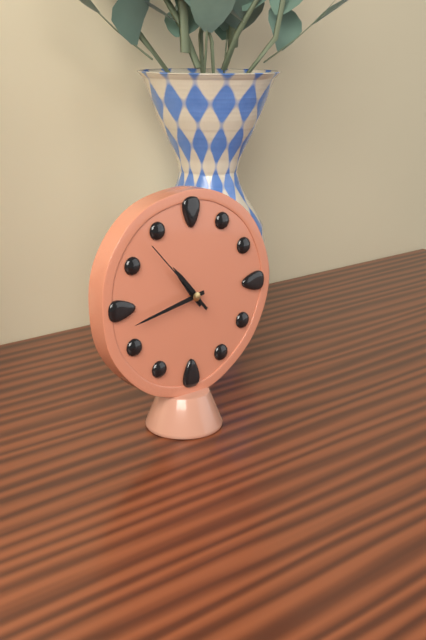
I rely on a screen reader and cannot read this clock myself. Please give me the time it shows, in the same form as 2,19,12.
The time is 10,43,53
